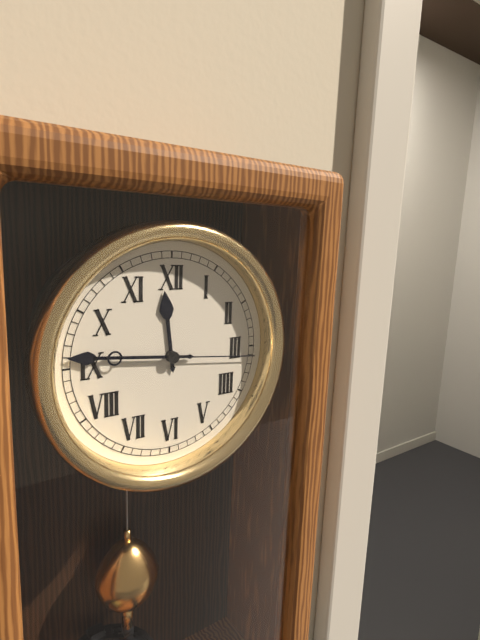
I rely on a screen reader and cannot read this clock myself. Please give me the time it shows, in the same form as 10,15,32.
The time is 11,46,16
